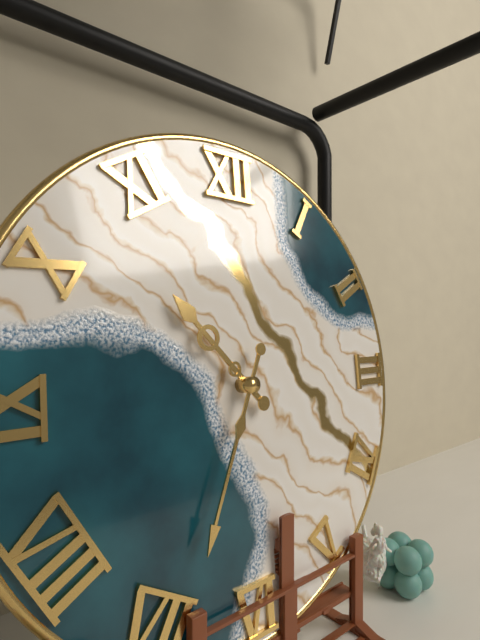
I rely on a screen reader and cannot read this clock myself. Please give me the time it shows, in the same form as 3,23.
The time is 10,34
